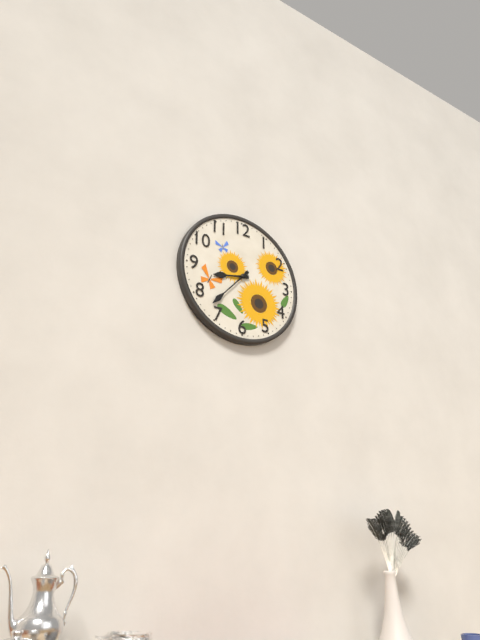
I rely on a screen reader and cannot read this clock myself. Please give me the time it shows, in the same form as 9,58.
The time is 8,37
